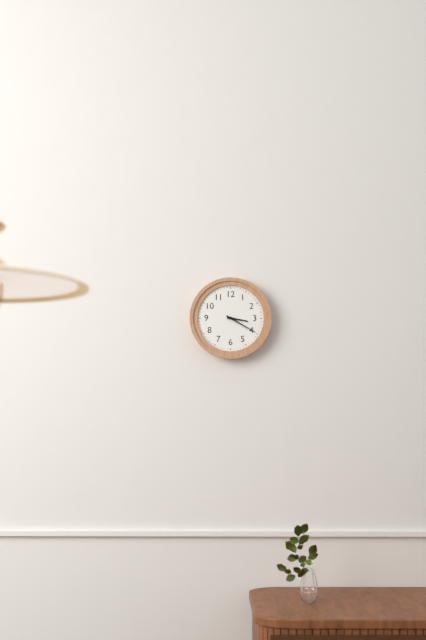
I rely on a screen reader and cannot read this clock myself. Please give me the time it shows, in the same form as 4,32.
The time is 3,20
